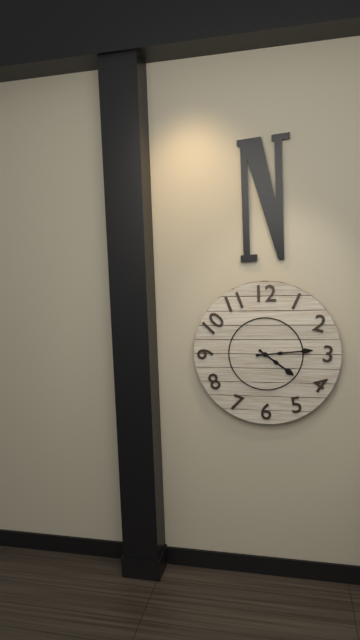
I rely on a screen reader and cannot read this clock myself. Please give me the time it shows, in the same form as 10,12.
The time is 4,14
